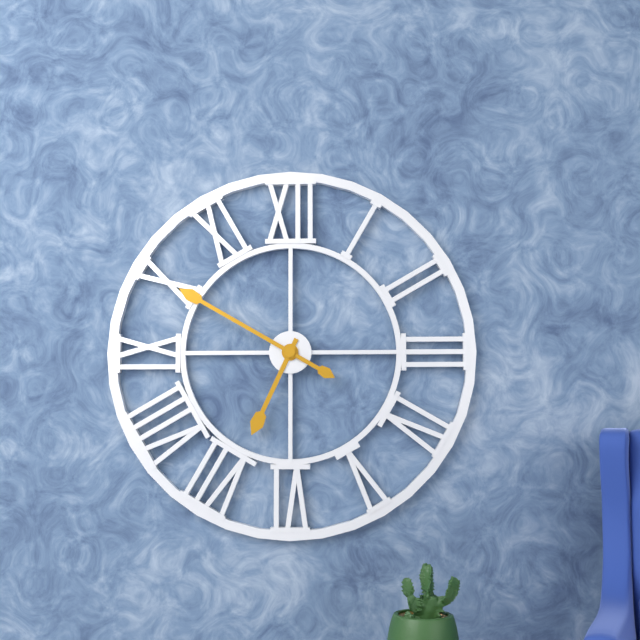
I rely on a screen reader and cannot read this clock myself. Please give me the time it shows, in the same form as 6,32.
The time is 6,50
